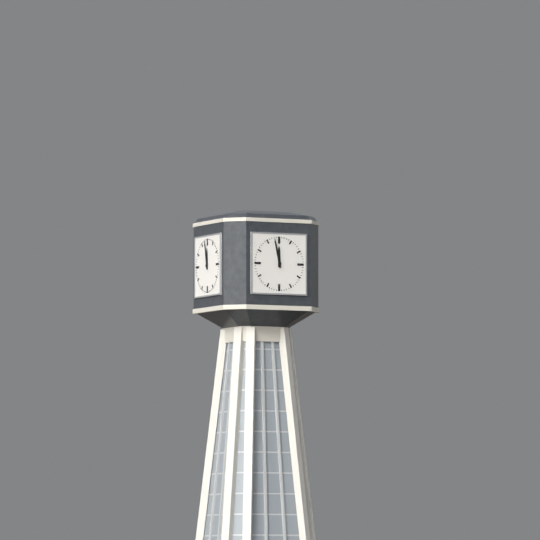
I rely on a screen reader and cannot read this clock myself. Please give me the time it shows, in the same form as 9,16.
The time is 11,58
